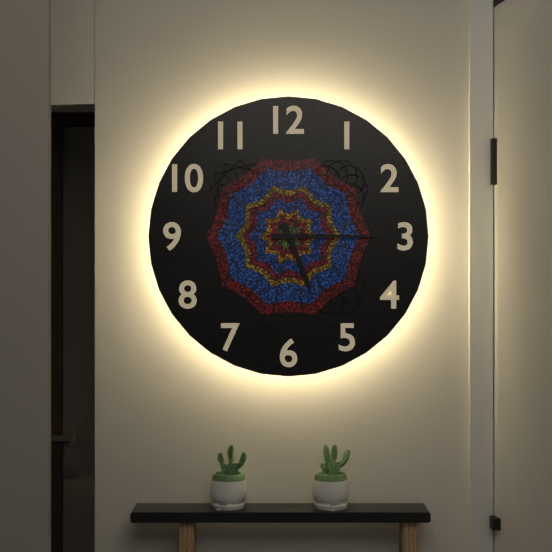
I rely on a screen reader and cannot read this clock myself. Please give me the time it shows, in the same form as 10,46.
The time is 5,15
